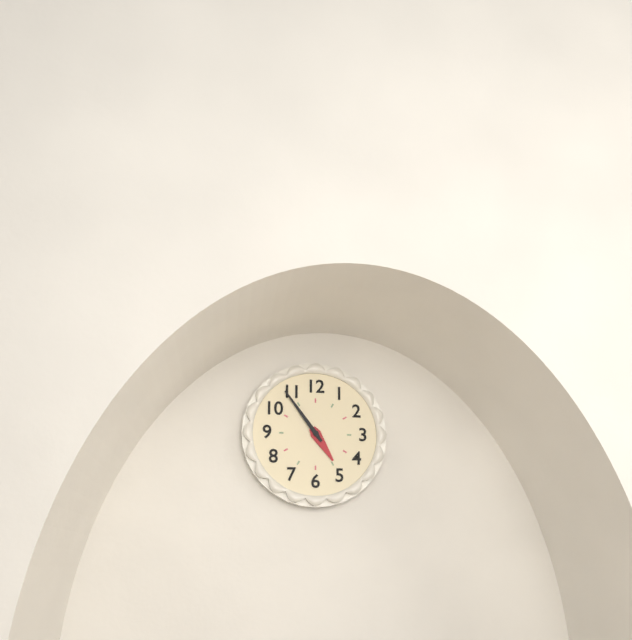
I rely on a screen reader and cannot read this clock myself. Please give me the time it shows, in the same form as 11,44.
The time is 4,54
